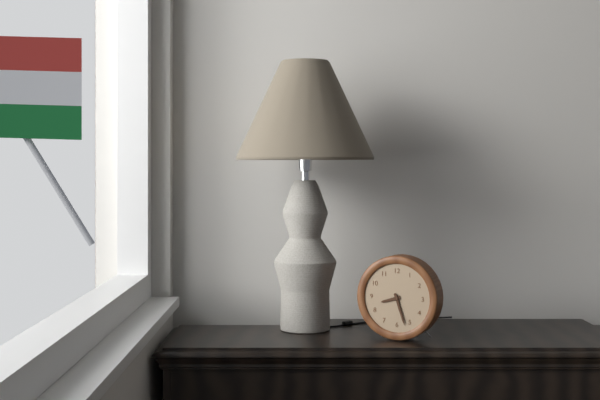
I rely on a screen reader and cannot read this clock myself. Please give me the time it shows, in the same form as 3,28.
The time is 8,27
